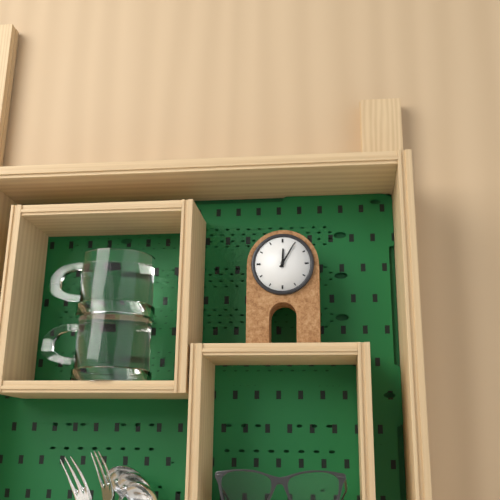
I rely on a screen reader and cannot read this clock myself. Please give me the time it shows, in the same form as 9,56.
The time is 12,05
